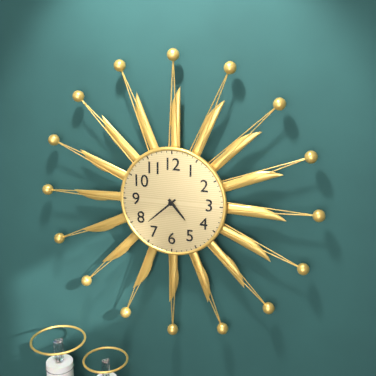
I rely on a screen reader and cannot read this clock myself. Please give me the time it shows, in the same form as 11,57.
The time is 4,38
